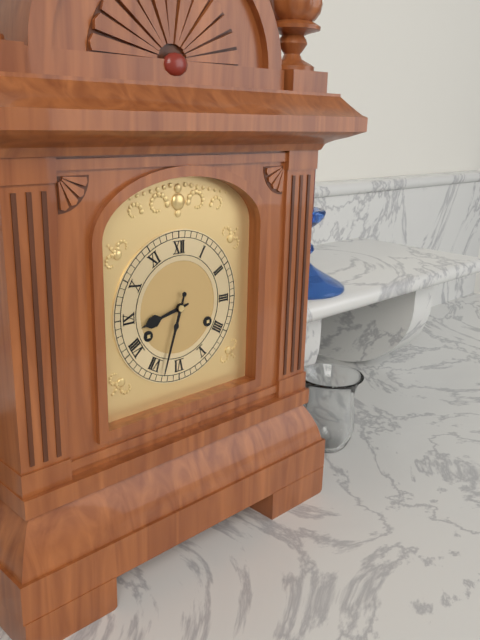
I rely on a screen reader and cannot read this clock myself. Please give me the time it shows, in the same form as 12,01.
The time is 8,33
